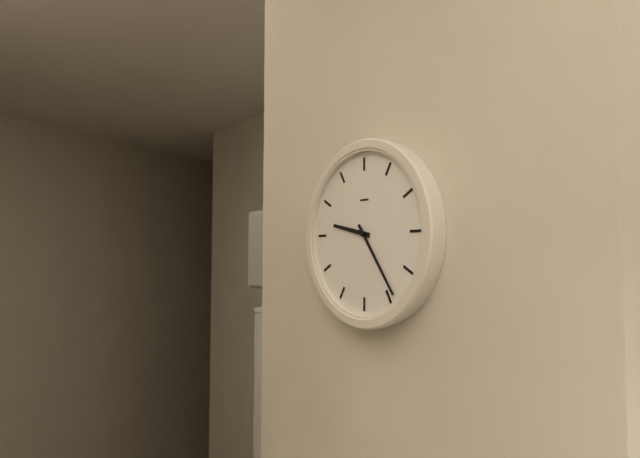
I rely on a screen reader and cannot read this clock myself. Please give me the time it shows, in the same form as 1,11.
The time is 9,24
